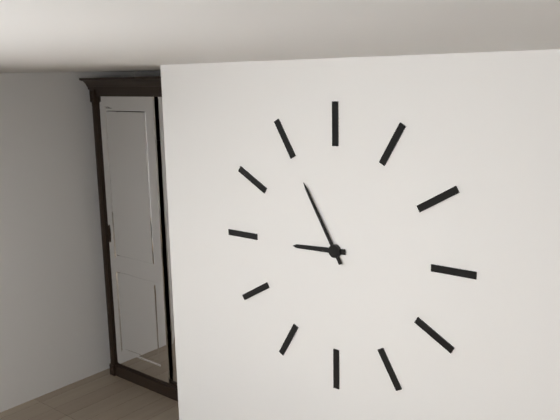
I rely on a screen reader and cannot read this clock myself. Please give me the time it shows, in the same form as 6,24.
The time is 8,55
